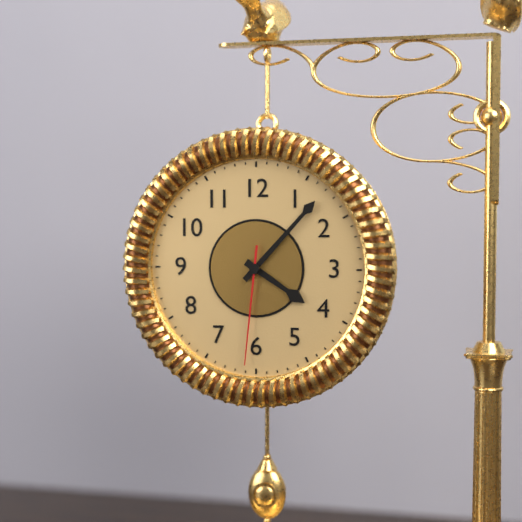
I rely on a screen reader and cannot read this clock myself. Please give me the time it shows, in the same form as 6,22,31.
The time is 4,07,31
